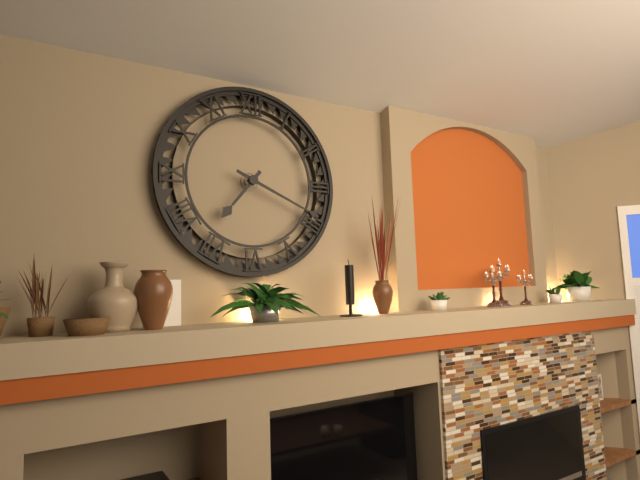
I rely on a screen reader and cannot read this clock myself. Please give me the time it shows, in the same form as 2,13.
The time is 7,19
